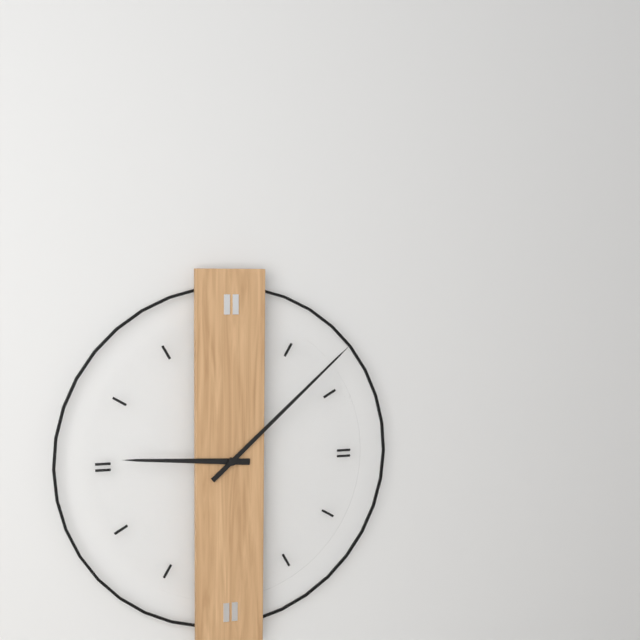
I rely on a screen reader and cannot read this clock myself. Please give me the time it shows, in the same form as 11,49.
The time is 9,08
